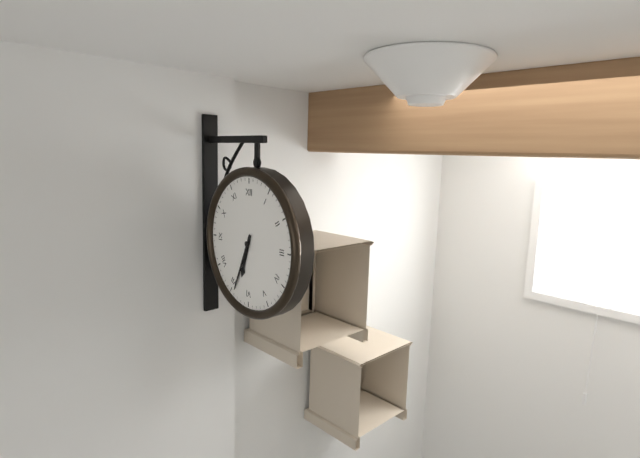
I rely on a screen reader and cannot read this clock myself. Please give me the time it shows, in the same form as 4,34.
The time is 6,34
